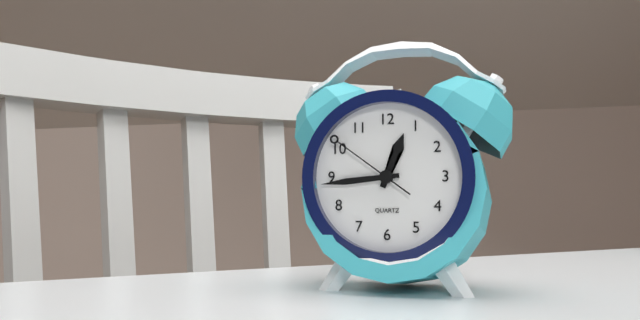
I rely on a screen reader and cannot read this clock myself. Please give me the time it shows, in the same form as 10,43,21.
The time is 12,44,51
